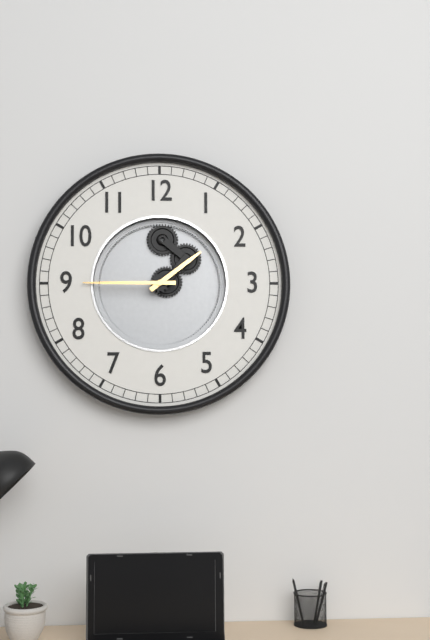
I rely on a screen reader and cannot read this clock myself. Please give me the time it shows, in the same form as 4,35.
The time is 1,45
